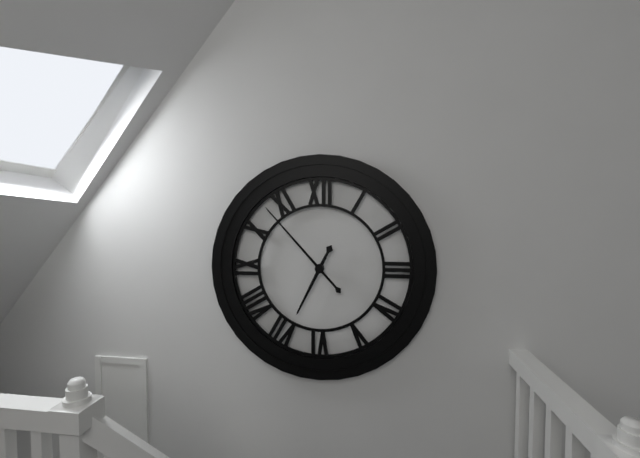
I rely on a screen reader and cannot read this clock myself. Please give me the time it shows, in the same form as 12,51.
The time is 6,53
